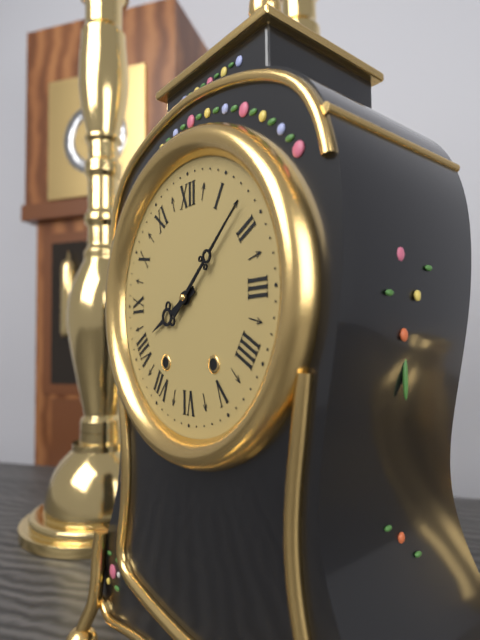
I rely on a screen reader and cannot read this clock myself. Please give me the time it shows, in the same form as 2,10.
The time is 8,08
